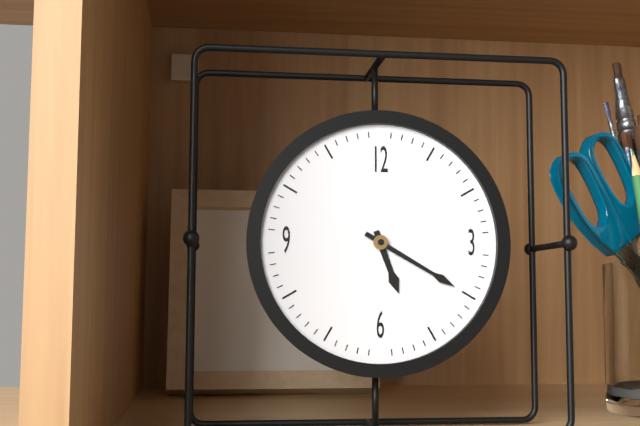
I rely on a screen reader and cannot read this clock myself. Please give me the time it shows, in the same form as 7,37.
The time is 5,20
